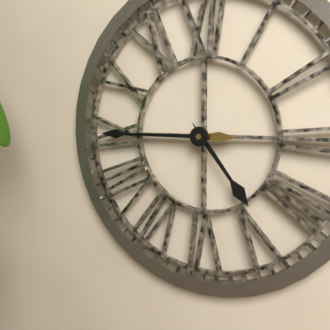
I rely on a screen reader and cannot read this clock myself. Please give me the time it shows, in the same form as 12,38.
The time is 4,45
